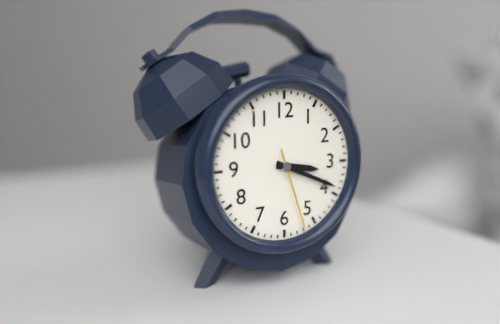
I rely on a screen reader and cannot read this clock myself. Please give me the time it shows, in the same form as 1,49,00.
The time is 3,19,27
